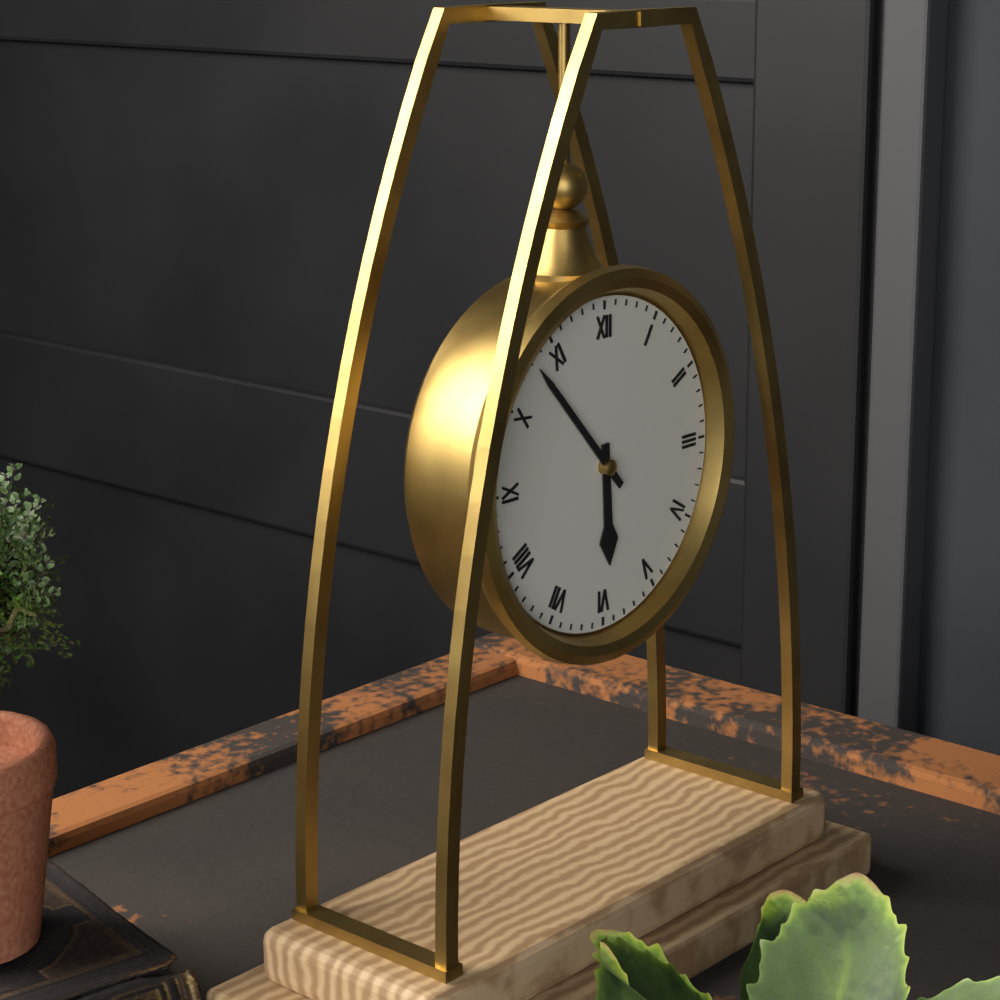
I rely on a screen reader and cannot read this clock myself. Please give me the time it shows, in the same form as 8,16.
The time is 5,53
